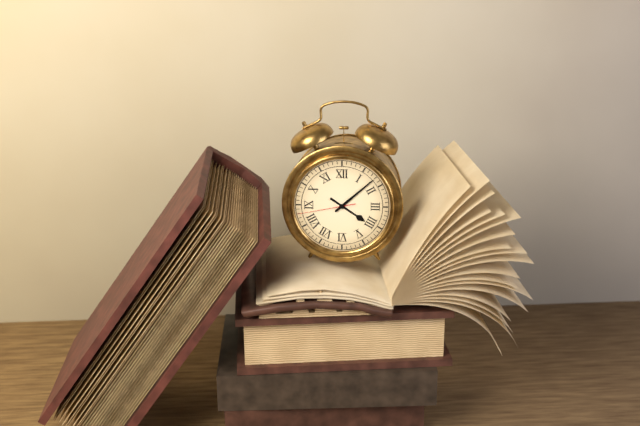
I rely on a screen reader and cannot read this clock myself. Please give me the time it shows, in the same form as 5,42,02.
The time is 4,08,43
